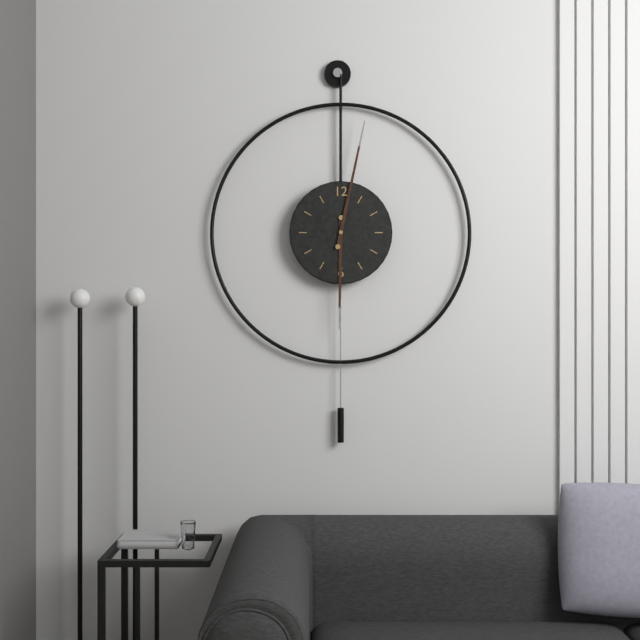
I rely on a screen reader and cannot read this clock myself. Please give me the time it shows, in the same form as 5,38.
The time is 6,02
